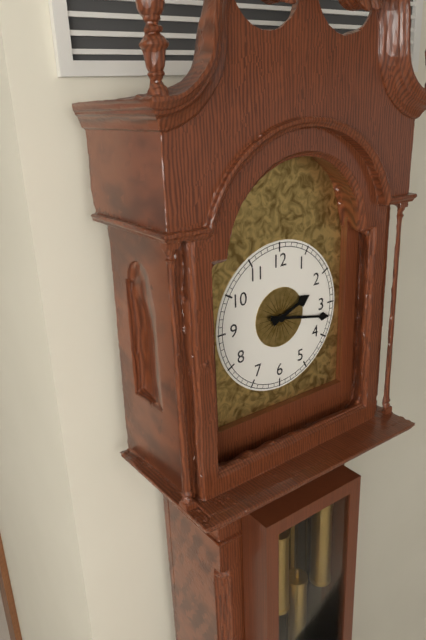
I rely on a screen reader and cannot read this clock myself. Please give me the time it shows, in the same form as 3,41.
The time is 2,17
